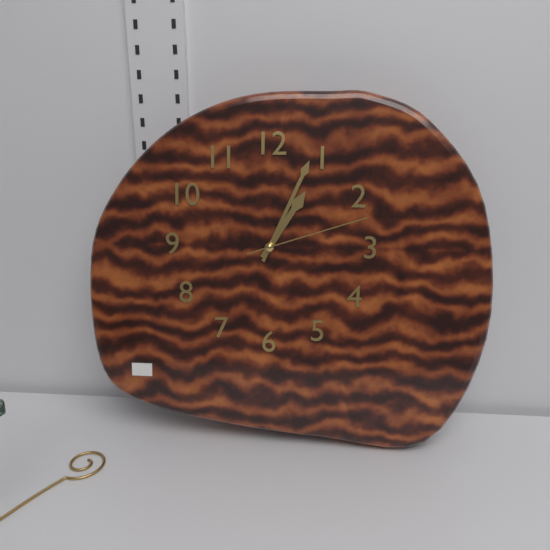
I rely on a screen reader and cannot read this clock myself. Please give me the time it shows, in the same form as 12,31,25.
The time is 1,04,12
